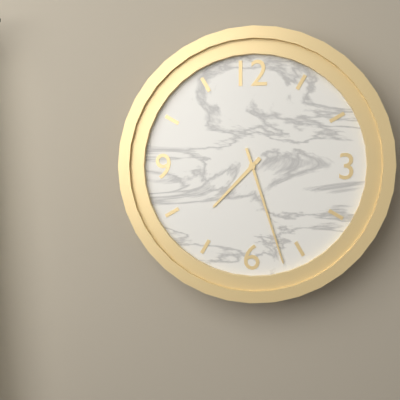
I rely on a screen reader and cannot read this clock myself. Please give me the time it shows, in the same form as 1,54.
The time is 7,27
